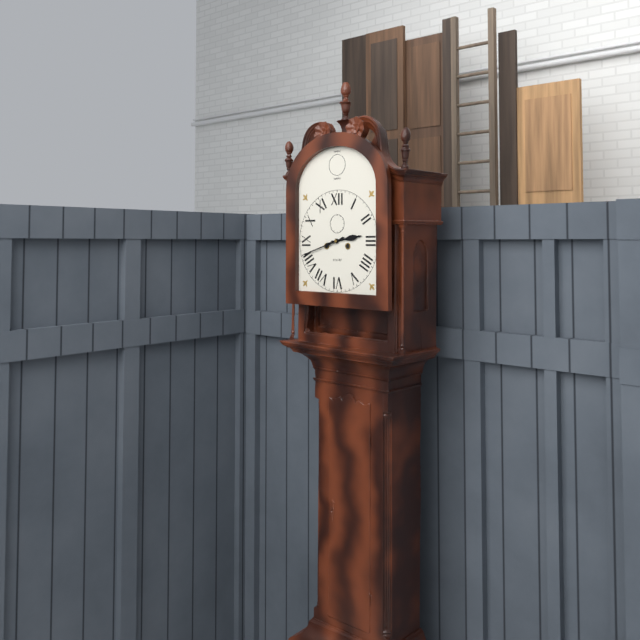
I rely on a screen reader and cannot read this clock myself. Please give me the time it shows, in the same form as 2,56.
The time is 2,42
